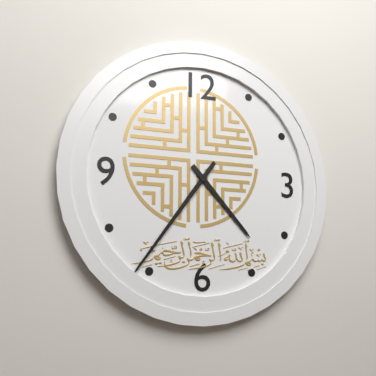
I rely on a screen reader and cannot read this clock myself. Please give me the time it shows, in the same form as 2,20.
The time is 4,36
